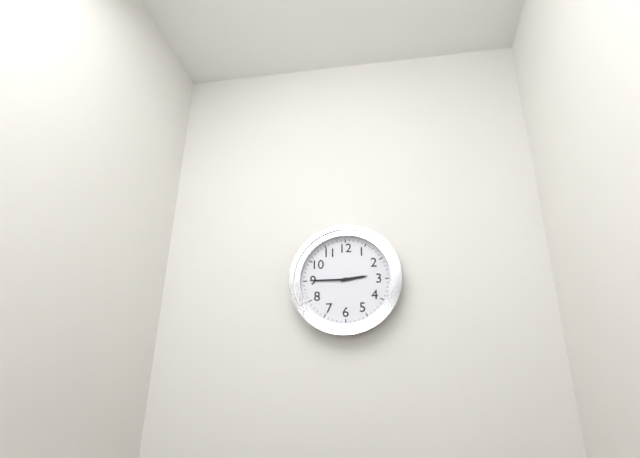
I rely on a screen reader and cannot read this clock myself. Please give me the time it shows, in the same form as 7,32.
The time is 2,45
